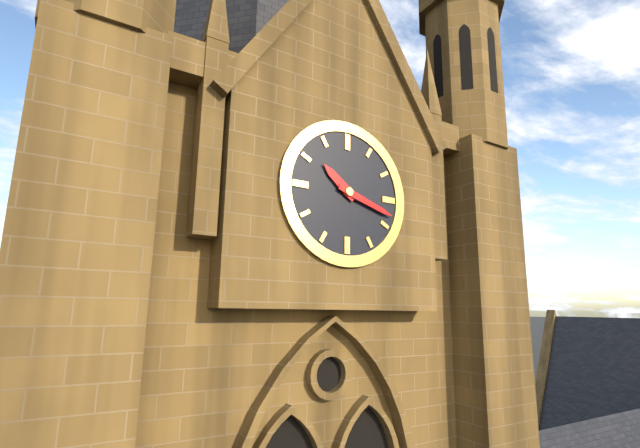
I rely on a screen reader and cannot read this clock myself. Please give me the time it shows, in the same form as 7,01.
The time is 10,18
